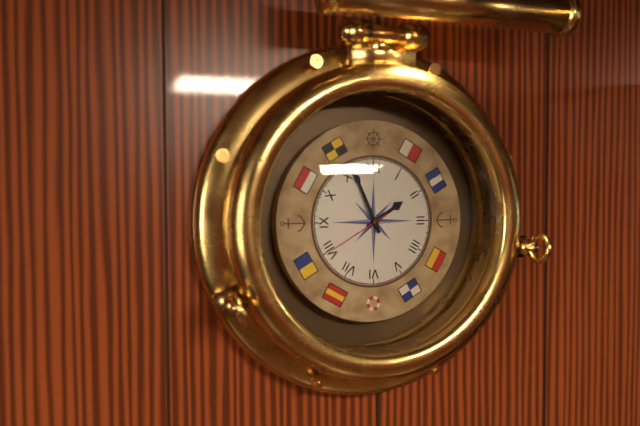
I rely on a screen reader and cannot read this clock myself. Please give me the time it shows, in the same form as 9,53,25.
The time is 1,56,40
